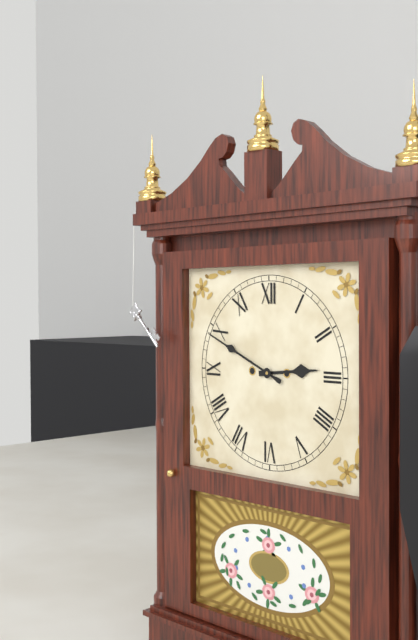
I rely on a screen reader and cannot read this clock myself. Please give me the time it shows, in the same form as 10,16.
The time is 2,49
